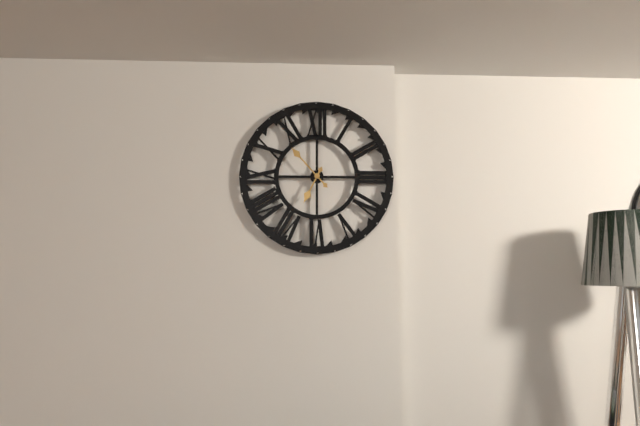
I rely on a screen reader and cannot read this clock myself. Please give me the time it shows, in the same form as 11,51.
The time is 6,53
